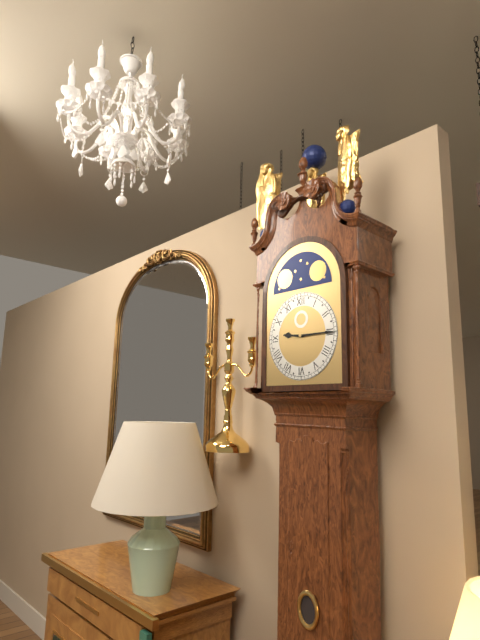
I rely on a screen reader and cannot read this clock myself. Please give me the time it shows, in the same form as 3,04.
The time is 9,15
